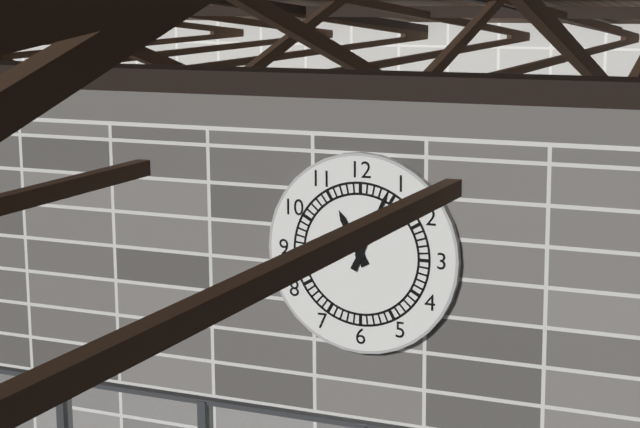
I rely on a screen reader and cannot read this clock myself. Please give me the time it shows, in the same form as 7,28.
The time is 11,04
